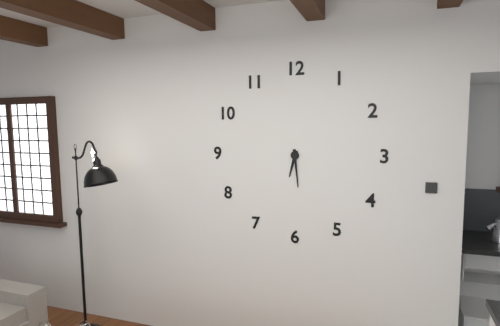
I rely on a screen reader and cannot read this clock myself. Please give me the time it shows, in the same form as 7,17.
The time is 6,29
